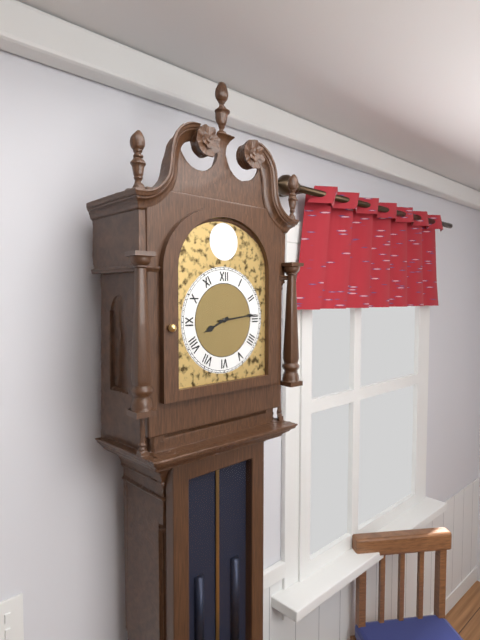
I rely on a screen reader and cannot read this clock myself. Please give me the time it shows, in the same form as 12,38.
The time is 8,14
